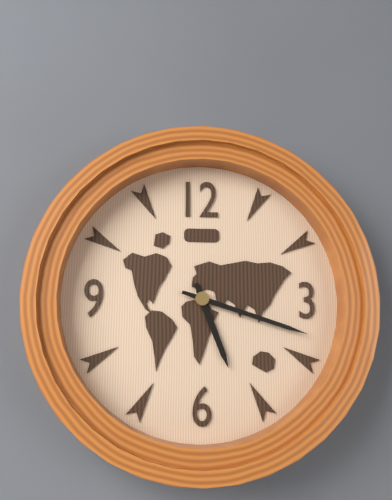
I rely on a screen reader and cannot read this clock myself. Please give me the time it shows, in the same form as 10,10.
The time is 5,18
